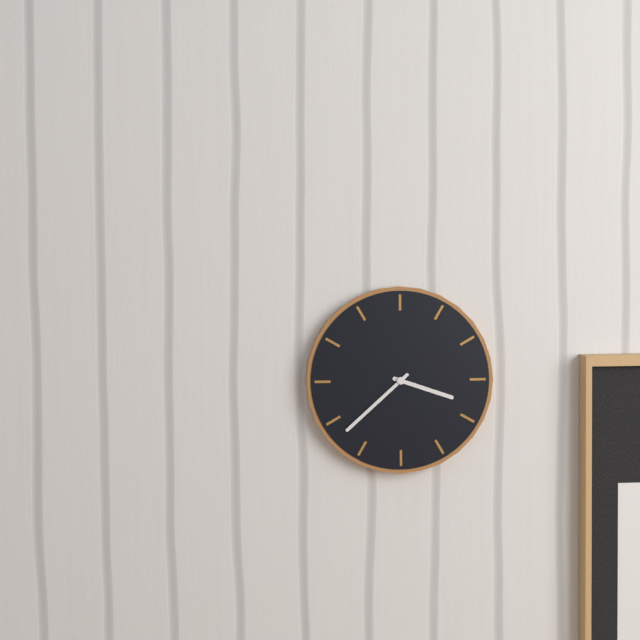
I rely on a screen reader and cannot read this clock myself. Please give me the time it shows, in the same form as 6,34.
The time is 3,38
